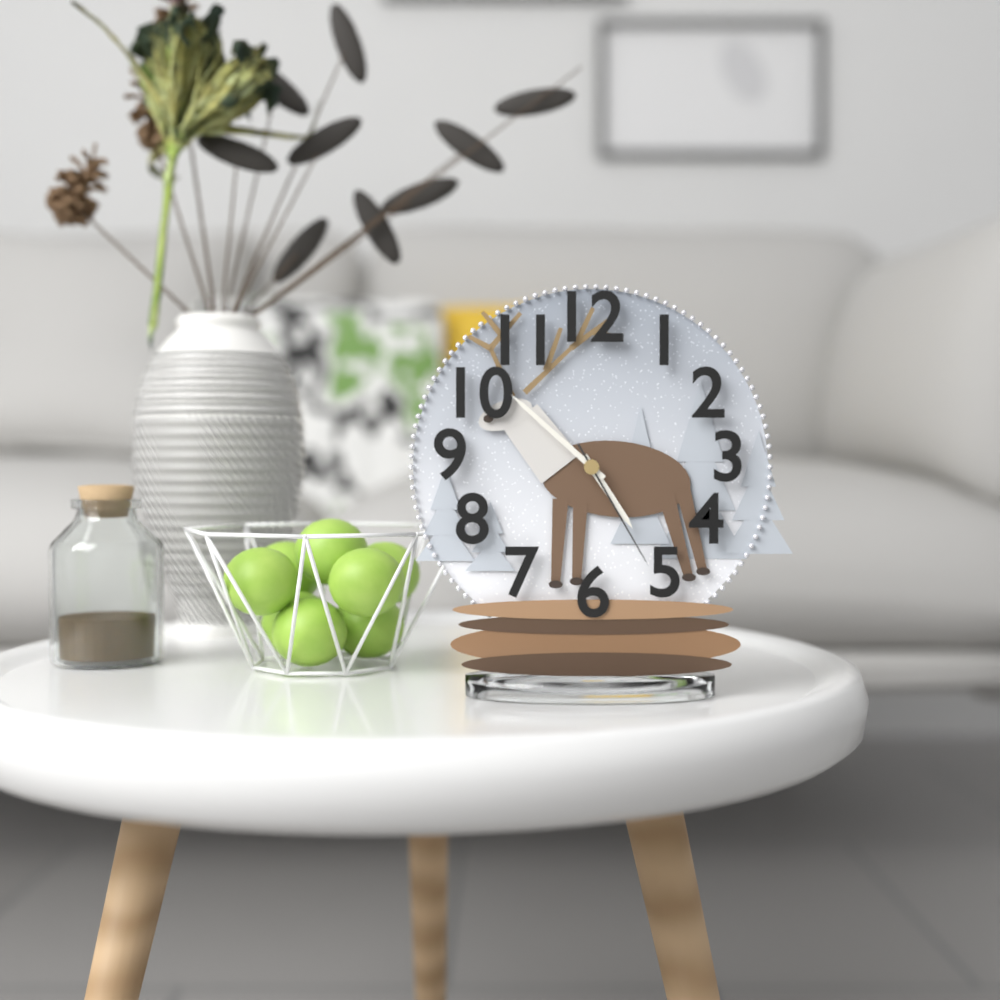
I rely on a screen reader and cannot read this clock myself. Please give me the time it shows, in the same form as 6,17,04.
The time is 4,52,25
